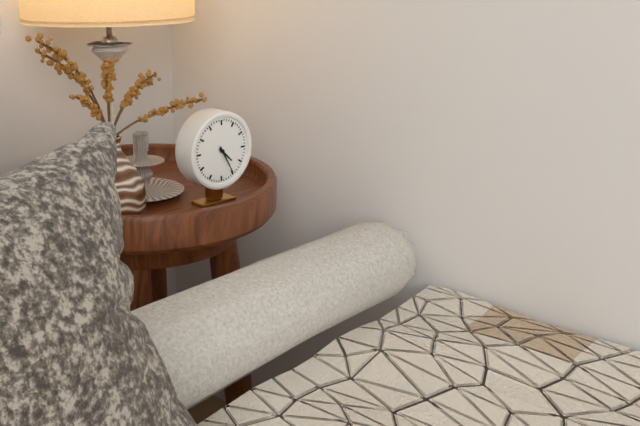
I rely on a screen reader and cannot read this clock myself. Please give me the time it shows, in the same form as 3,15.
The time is 4,25
